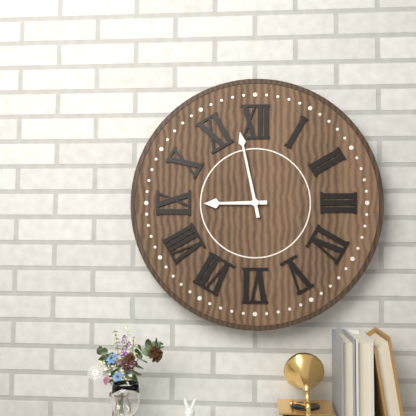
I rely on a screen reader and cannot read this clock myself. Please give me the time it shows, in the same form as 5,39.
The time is 8,58
